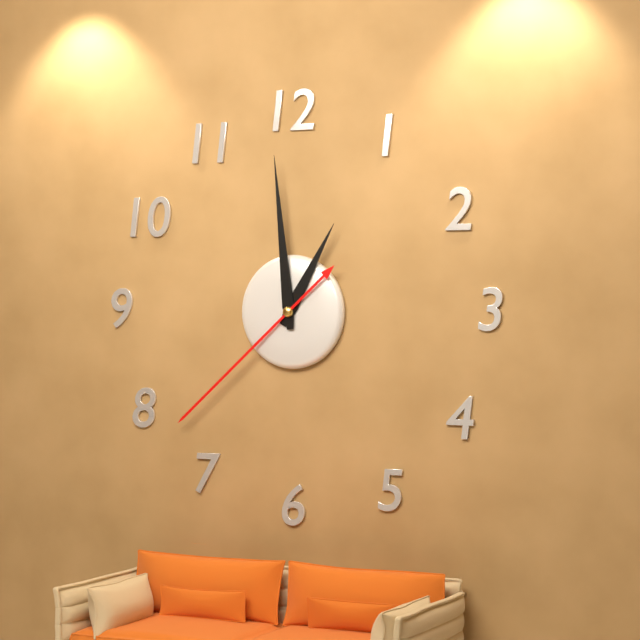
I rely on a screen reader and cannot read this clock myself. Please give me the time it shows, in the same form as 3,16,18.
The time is 12,59,38
